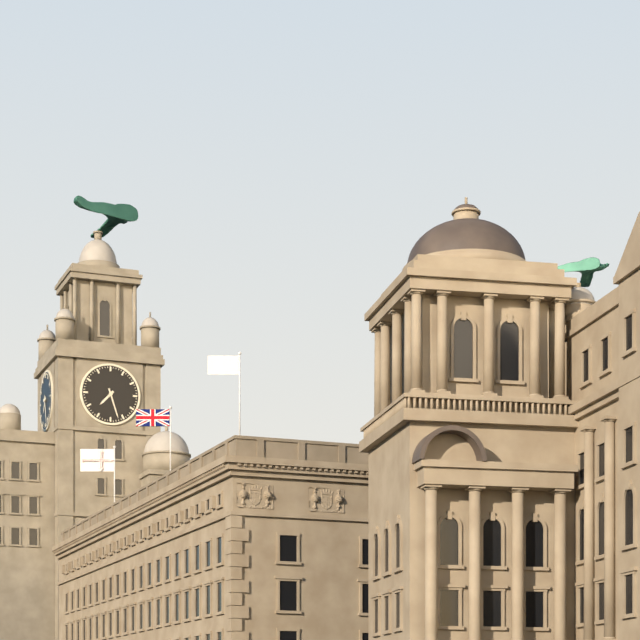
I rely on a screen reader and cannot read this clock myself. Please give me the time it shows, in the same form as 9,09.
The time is 7,27
